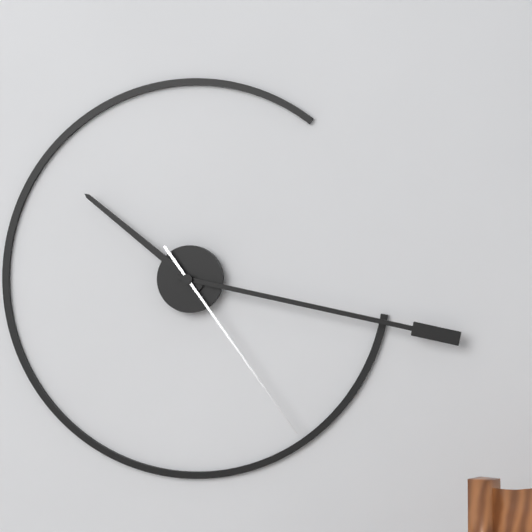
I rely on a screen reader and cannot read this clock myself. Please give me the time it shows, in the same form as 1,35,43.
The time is 10,17,24
